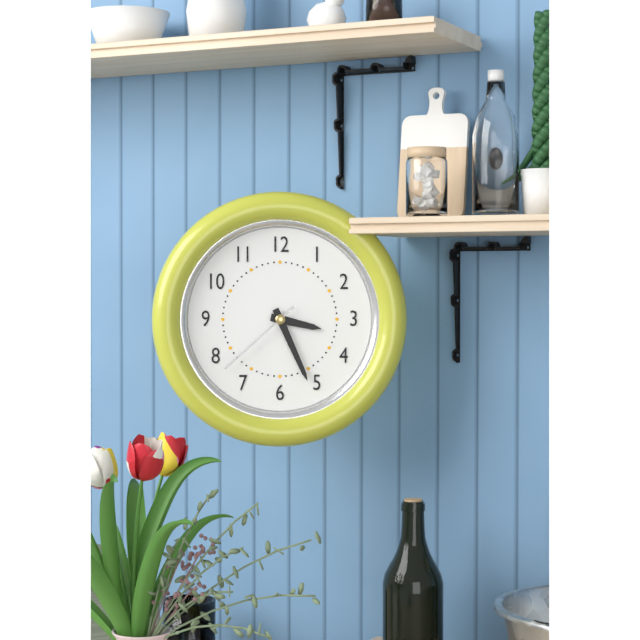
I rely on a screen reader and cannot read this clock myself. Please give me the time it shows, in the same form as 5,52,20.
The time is 3,26,38
